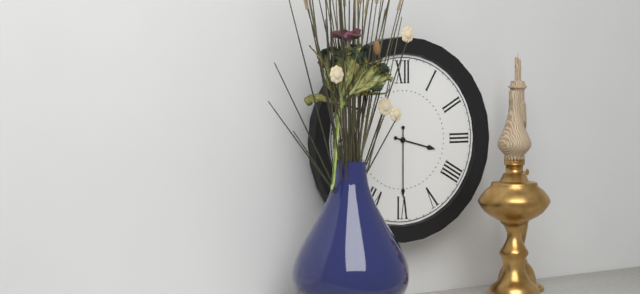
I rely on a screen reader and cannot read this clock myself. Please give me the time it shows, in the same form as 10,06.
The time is 3,30
